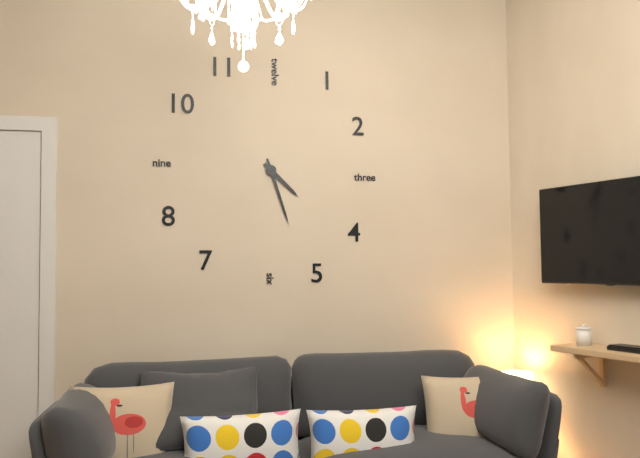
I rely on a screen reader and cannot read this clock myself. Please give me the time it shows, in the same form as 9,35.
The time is 4,27
